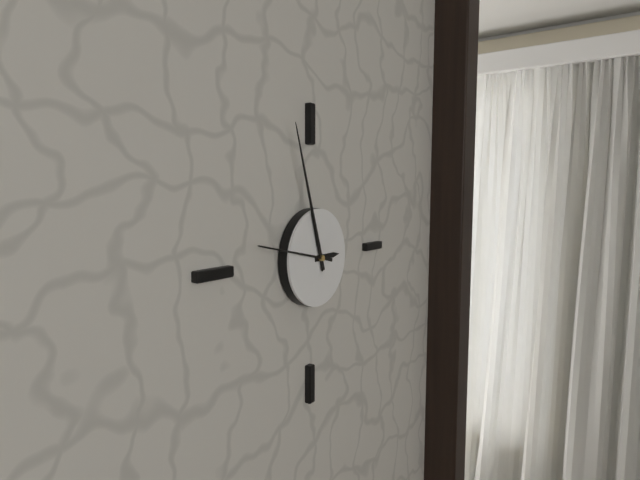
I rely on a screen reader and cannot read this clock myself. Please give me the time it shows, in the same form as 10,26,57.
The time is 2,57,47
